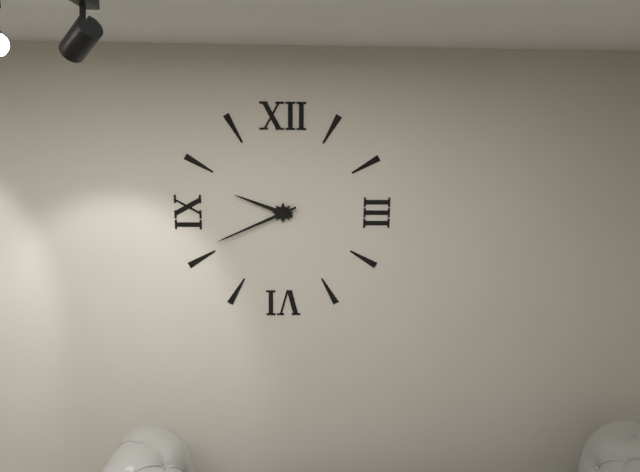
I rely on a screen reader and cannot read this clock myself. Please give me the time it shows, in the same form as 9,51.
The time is 9,41
